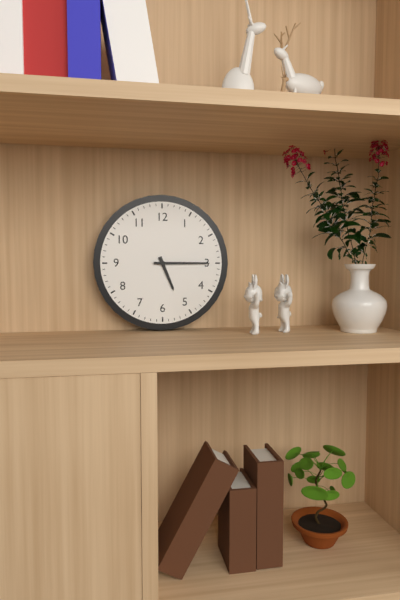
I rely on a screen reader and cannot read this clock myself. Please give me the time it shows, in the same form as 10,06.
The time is 5,15
